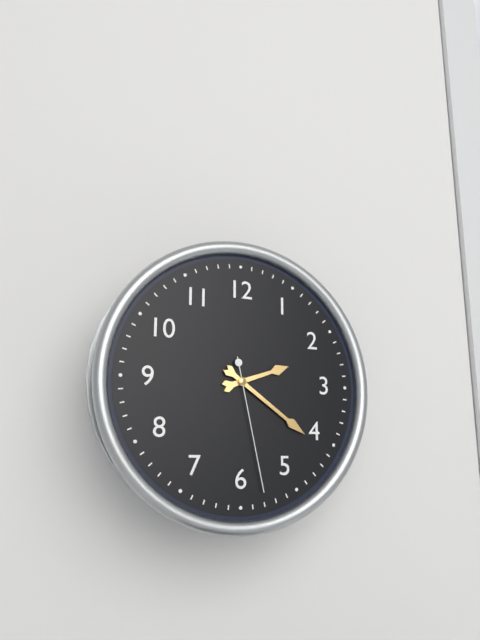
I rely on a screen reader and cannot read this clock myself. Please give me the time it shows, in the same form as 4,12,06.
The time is 2,21,28
